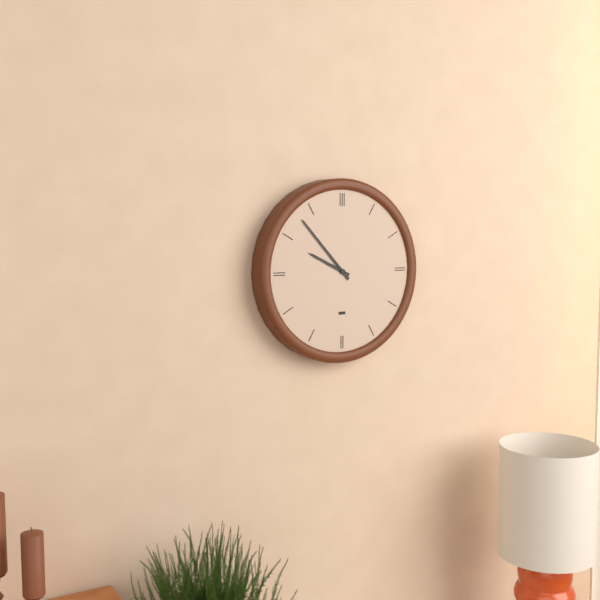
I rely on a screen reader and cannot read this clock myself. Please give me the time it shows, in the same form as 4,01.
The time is 9,53
